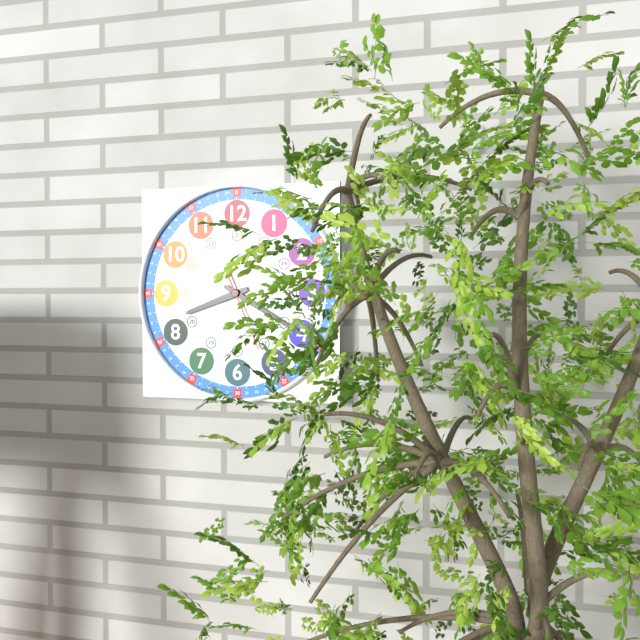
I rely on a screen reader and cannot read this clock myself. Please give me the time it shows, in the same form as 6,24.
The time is 8,20
